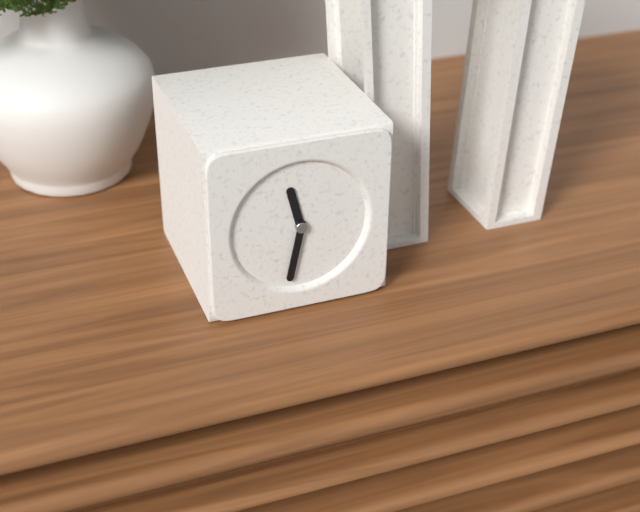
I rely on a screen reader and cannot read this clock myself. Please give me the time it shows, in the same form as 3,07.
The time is 11,32
